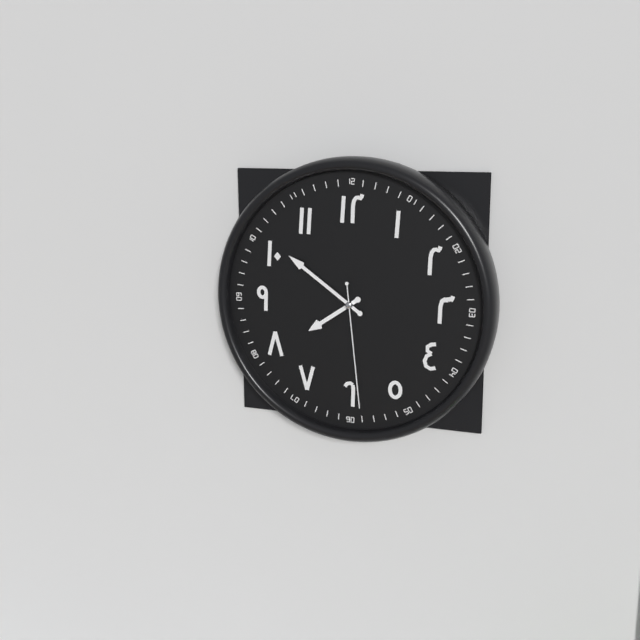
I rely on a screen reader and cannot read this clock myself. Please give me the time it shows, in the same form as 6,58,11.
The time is 7,51,29
